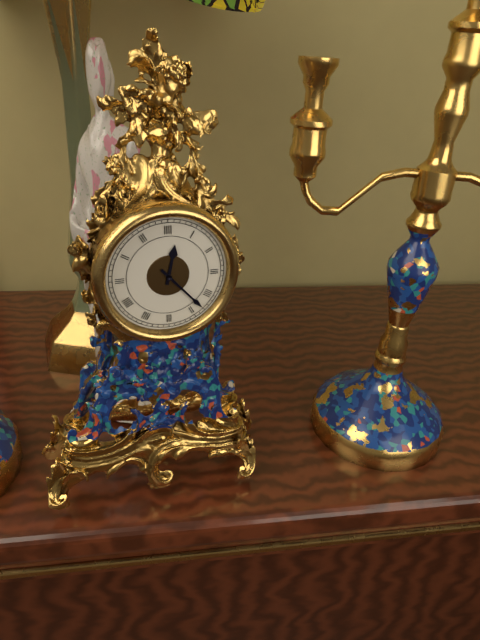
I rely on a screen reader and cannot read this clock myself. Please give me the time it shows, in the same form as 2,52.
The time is 12,23
